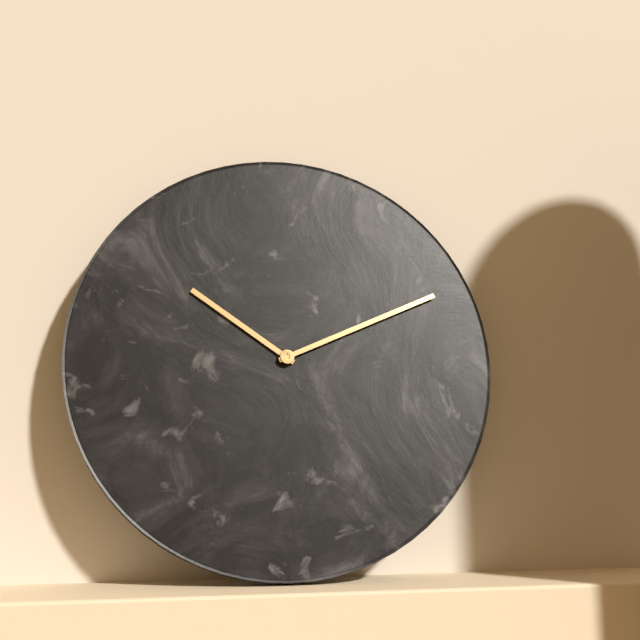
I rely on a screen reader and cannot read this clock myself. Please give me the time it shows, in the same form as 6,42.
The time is 10,11
